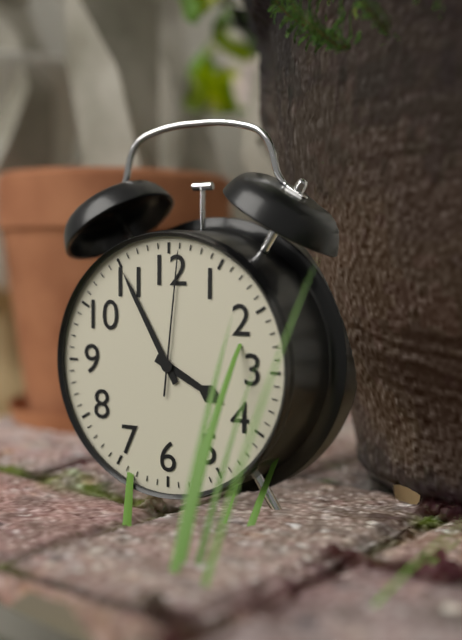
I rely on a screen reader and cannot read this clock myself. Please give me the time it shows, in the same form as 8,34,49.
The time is 3,55,01
